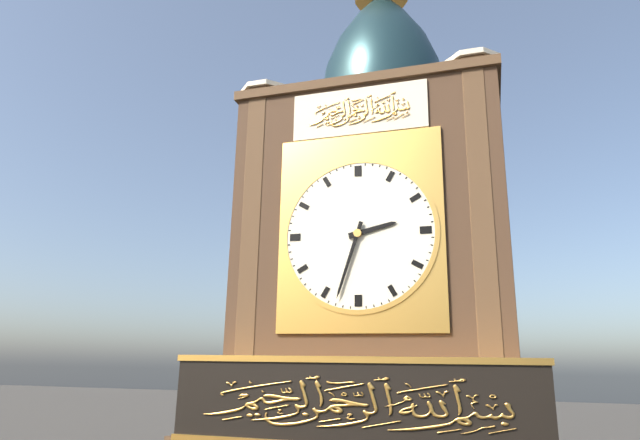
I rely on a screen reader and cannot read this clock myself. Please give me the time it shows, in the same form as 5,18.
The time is 2,33
